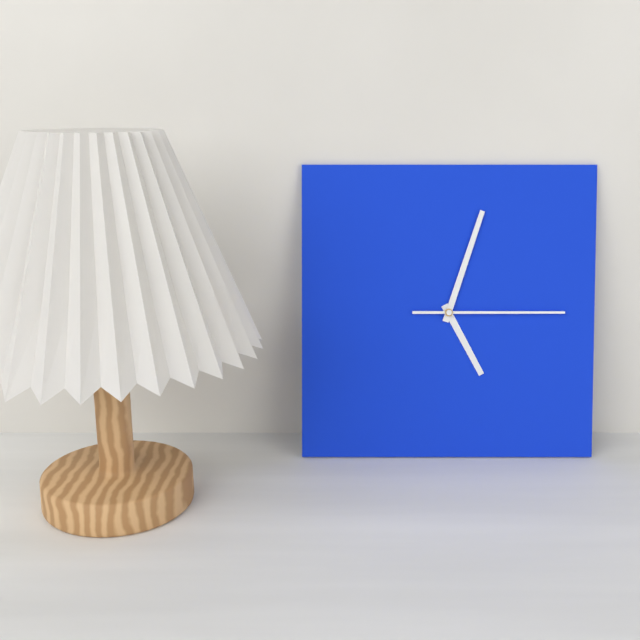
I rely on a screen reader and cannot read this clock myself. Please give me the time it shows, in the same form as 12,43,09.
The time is 5,03,15
